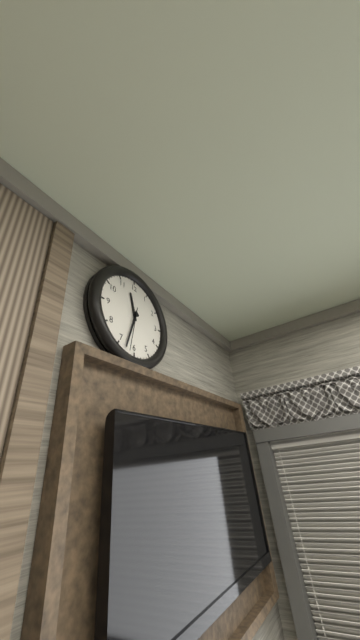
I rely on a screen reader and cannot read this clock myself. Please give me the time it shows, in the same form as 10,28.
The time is 11,33
